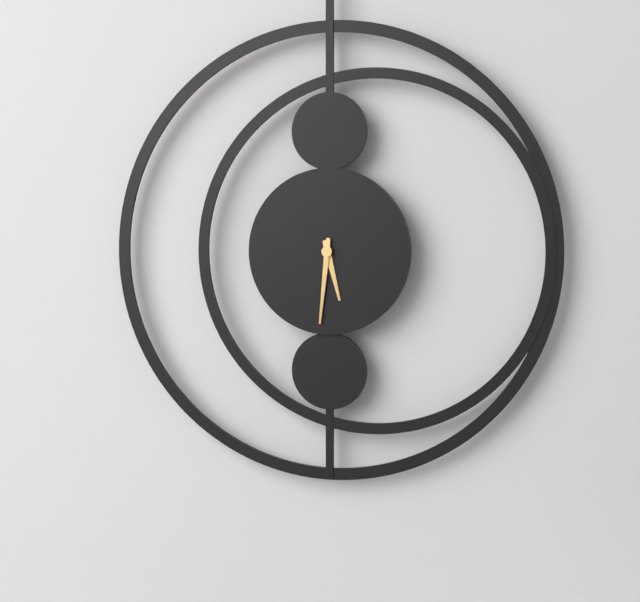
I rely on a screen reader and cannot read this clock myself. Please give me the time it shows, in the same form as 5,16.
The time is 5,31
